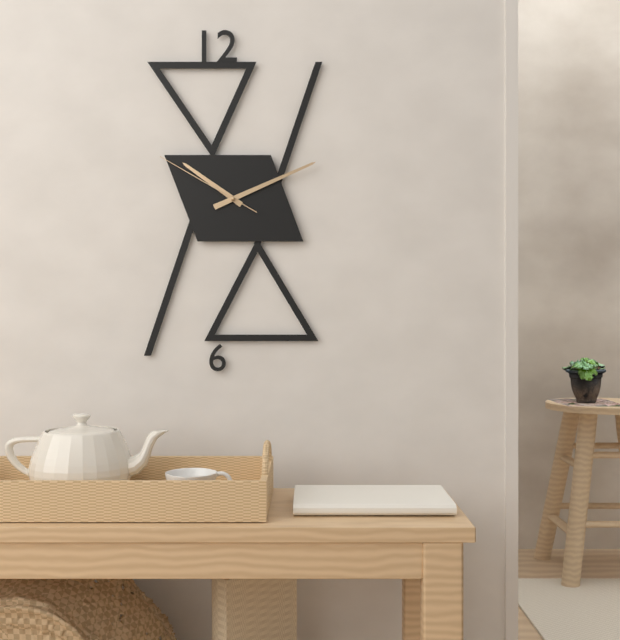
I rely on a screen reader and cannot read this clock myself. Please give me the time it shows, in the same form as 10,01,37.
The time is 10,11,50
